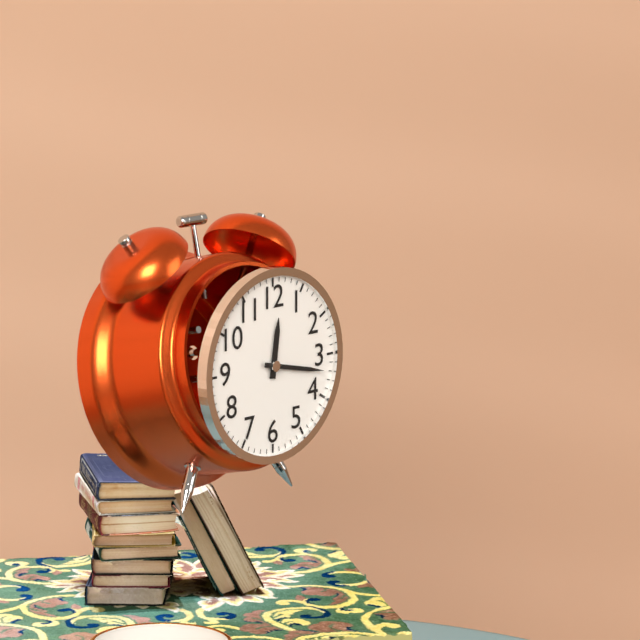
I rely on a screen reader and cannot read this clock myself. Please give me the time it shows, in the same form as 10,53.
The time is 12,17
